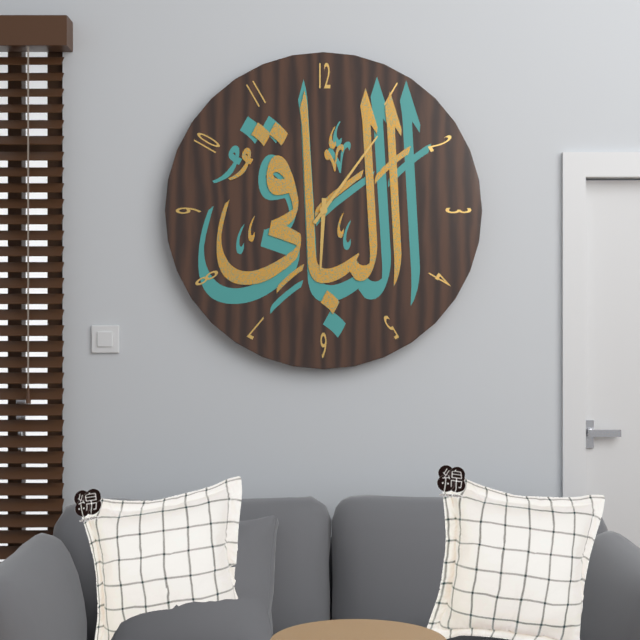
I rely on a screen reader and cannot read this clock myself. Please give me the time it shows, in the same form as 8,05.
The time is 6,06
